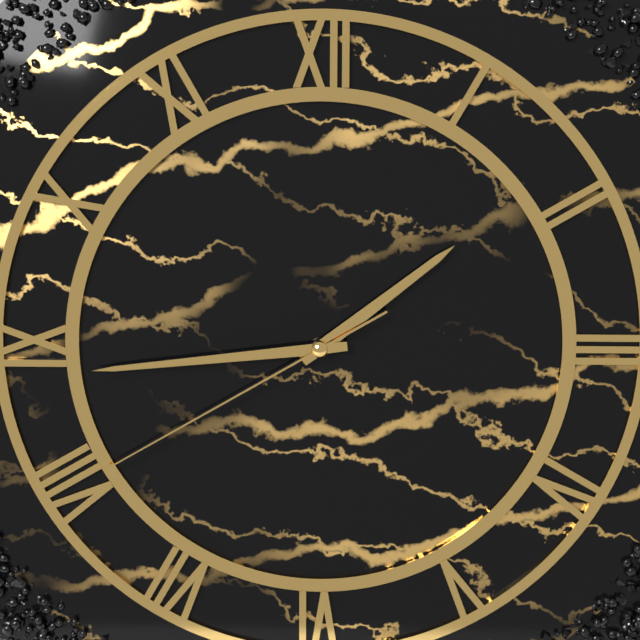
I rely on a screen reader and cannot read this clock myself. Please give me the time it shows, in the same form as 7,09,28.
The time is 1,44,40
